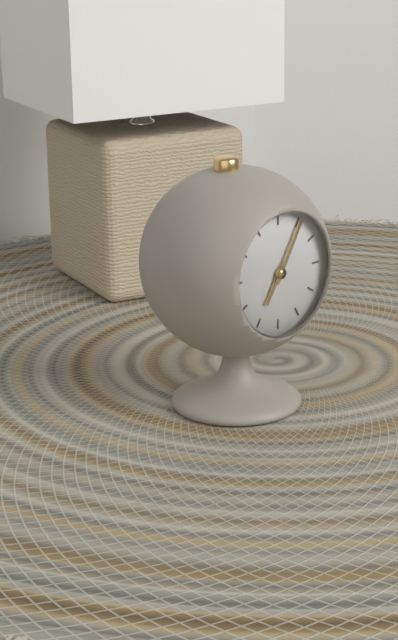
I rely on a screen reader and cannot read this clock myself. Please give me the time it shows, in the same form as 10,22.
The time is 7,05
